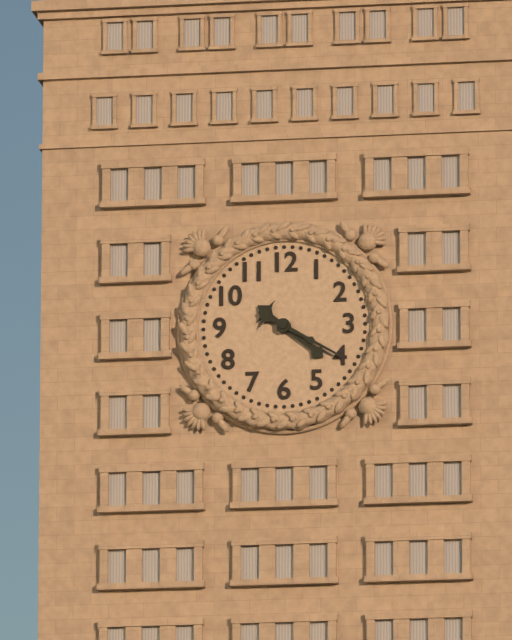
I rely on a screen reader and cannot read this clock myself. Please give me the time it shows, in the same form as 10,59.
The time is 4,20
